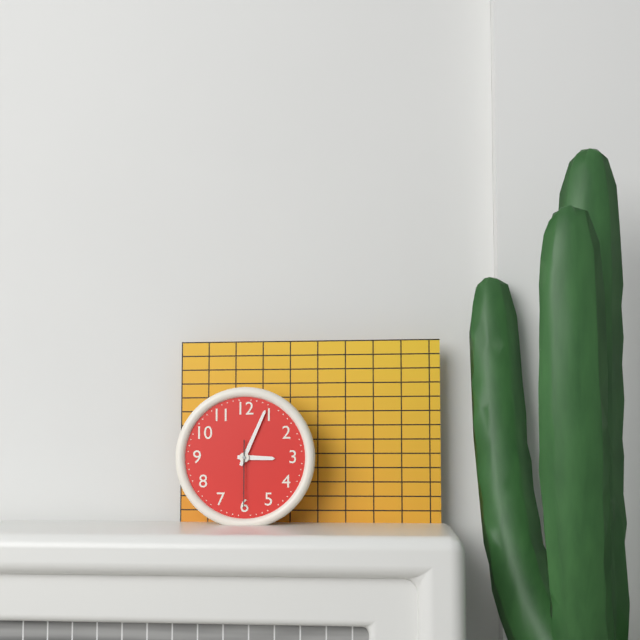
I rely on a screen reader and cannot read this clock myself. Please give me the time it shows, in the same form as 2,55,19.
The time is 3,04,30
